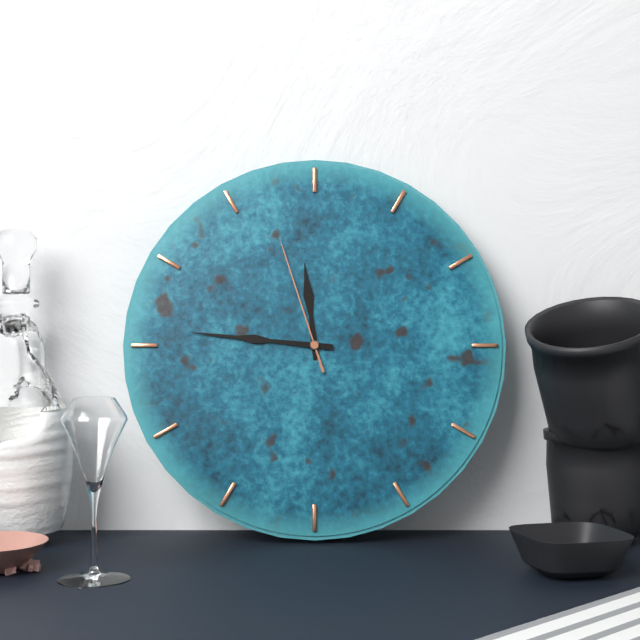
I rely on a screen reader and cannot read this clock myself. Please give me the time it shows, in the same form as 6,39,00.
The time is 11,46,57
